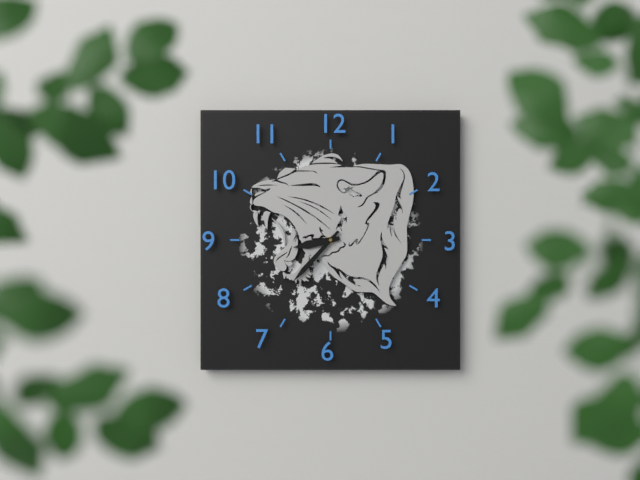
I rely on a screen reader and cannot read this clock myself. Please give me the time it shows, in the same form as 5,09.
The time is 8,37
